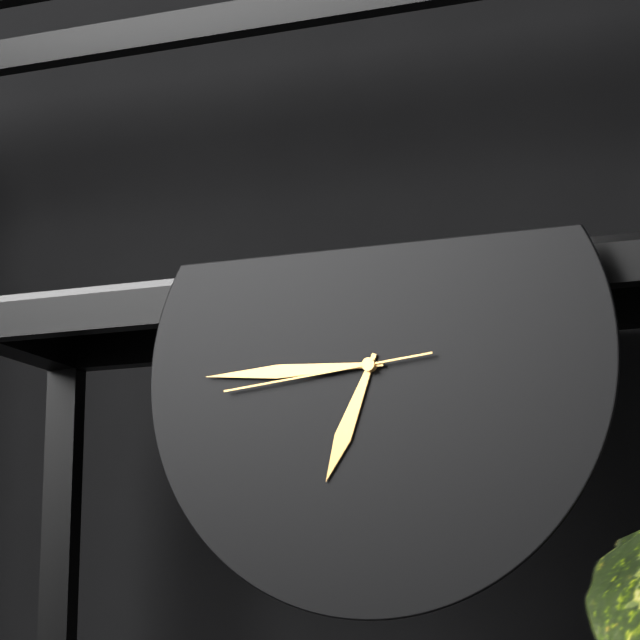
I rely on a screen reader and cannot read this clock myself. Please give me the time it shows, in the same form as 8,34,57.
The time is 6,45,44
